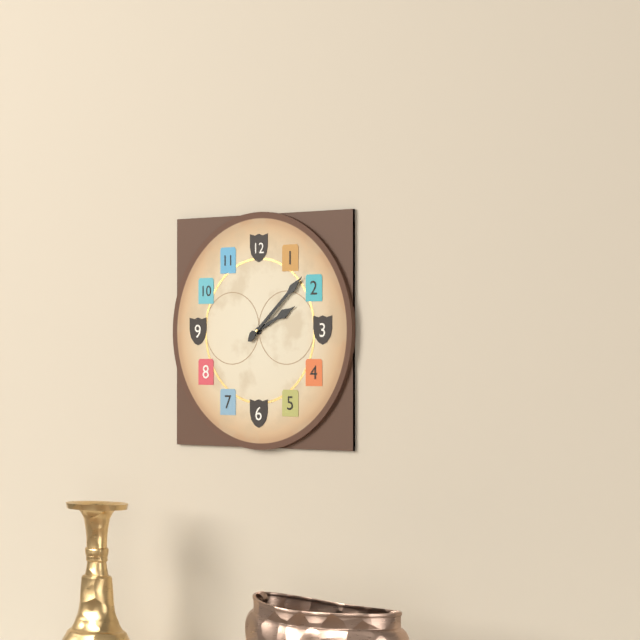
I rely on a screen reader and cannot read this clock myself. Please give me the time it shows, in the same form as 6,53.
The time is 2,08
